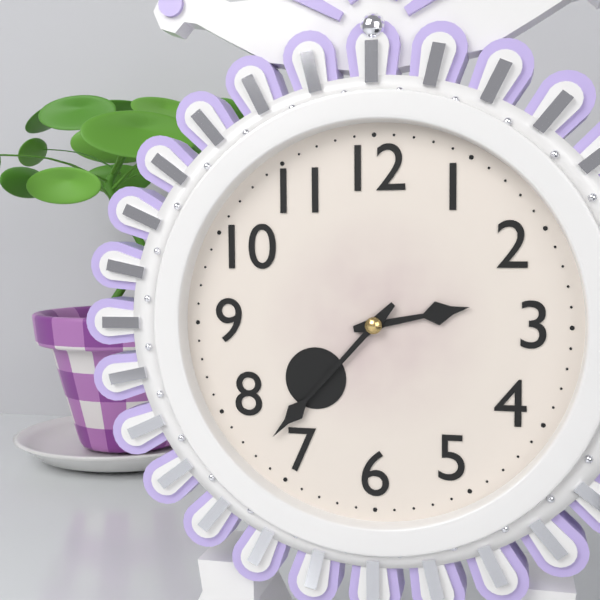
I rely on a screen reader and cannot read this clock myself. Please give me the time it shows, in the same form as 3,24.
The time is 2,37
